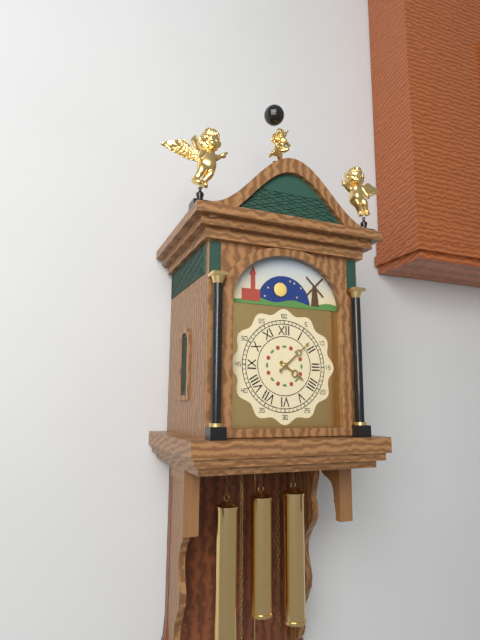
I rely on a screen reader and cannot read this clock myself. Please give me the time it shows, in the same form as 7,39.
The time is 4,08
